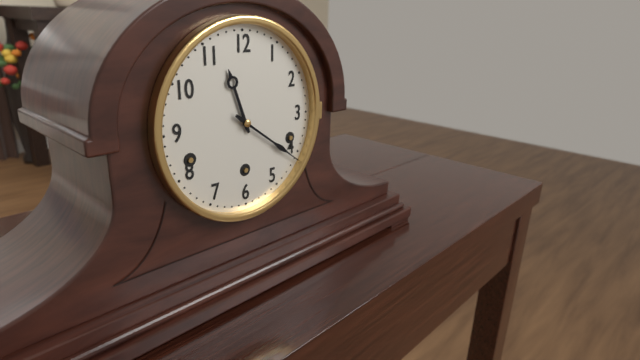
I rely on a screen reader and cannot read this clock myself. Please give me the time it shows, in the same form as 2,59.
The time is 11,21
